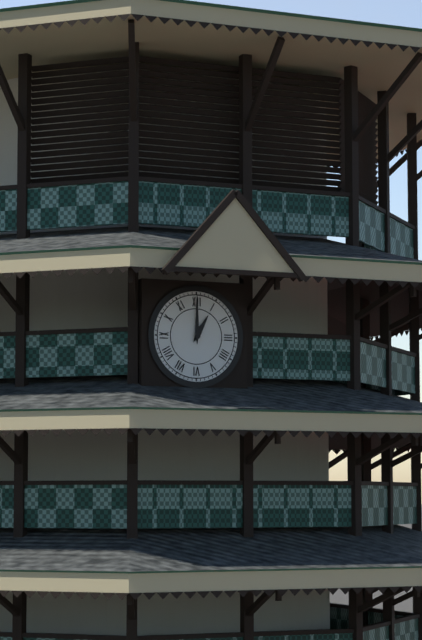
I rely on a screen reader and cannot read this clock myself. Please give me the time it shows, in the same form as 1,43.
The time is 1,00
